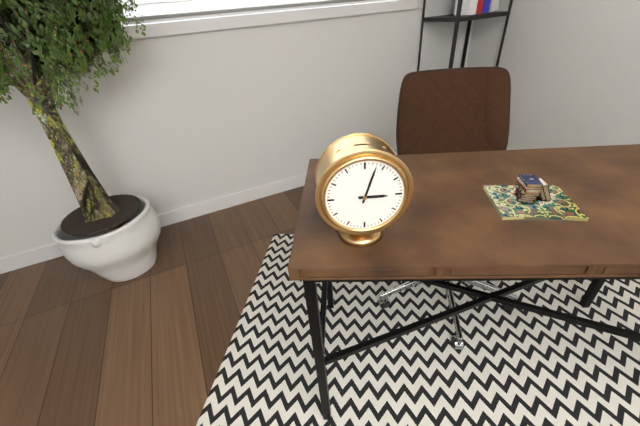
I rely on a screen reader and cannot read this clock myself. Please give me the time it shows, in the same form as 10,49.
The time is 3,03
